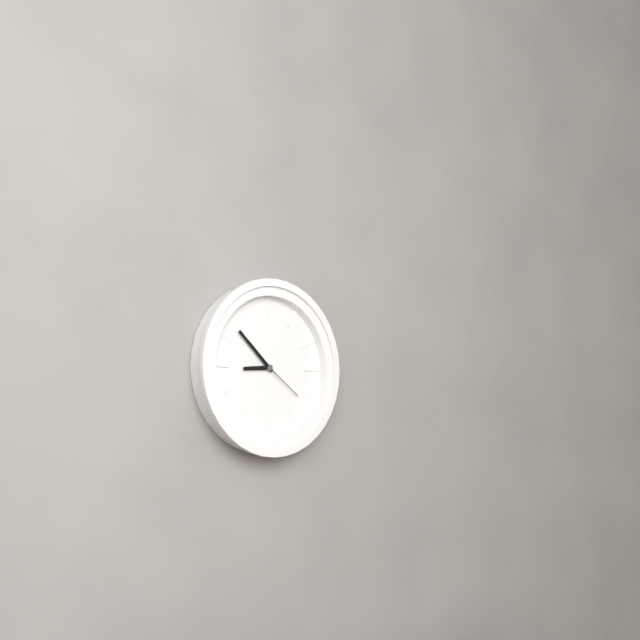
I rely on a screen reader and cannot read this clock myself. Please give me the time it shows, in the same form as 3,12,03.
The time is 8,52,21
